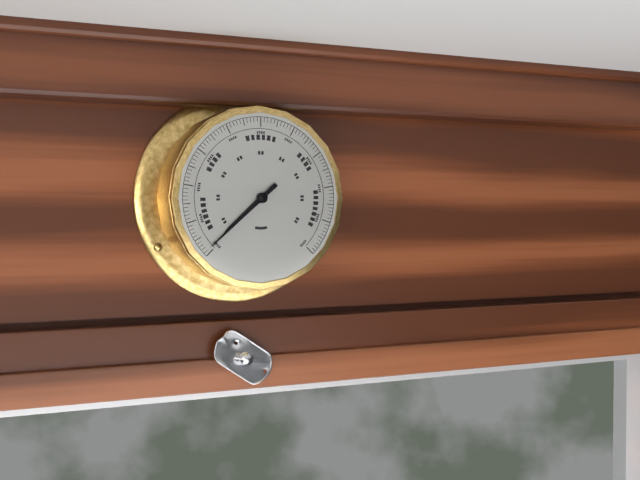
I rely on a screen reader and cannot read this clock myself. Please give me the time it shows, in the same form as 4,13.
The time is 7,38
